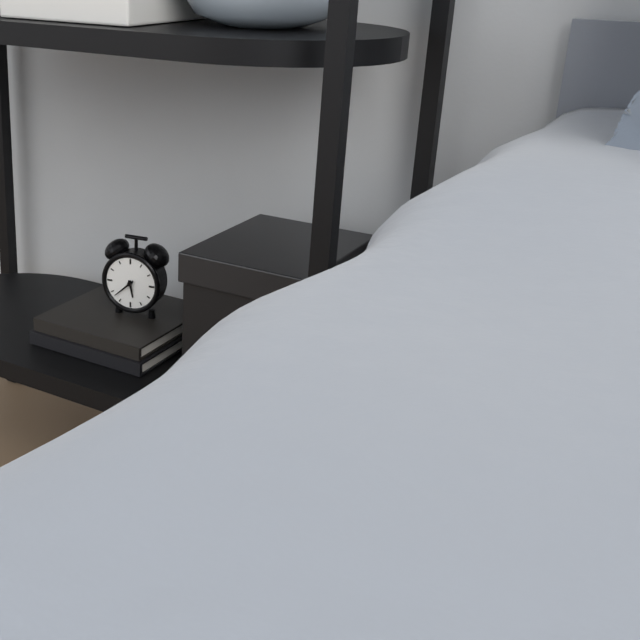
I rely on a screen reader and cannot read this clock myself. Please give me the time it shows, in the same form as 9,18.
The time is 5,38
